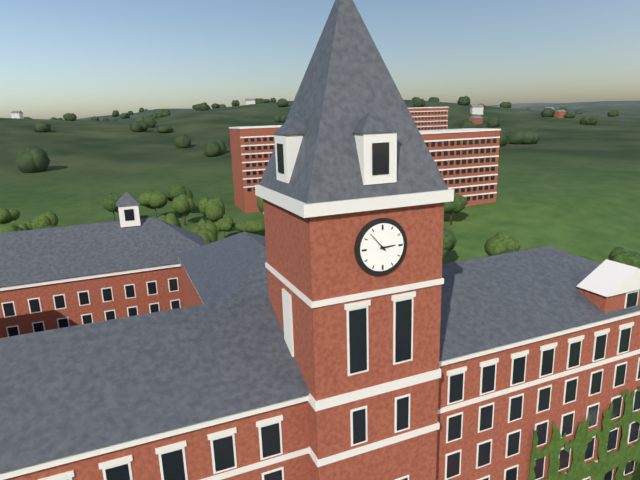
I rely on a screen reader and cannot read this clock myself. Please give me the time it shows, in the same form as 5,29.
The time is 2,53
